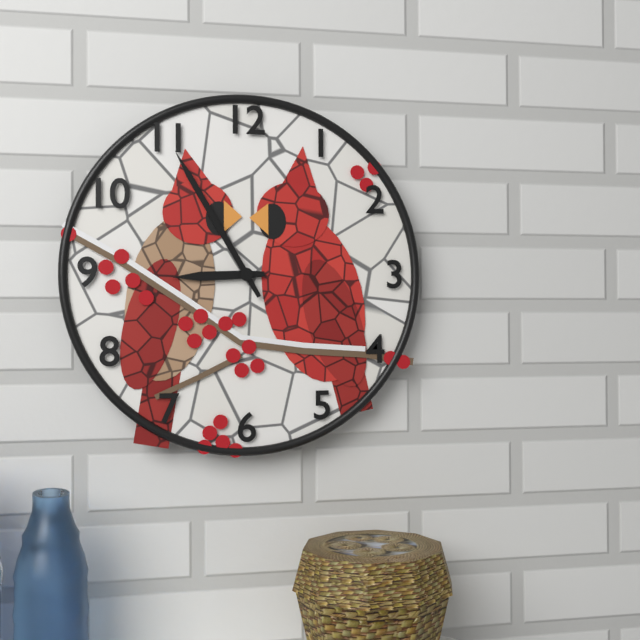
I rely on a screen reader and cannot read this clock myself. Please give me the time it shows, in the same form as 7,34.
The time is 8,55
